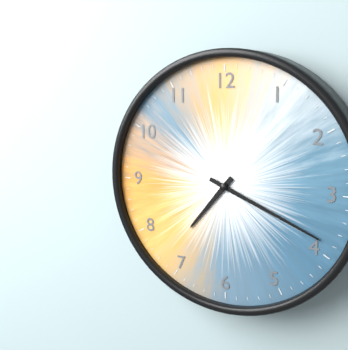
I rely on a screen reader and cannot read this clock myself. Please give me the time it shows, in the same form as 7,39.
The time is 7,19
